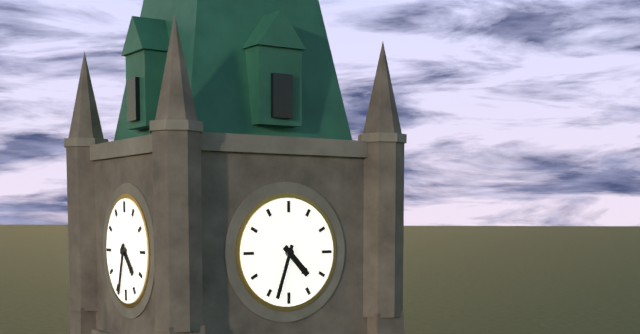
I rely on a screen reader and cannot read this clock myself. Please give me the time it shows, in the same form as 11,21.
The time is 4,33
